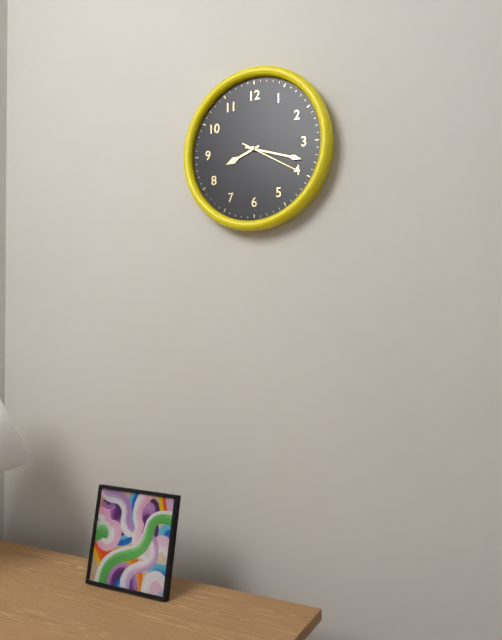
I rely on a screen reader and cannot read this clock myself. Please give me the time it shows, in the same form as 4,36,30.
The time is 8,18,20
